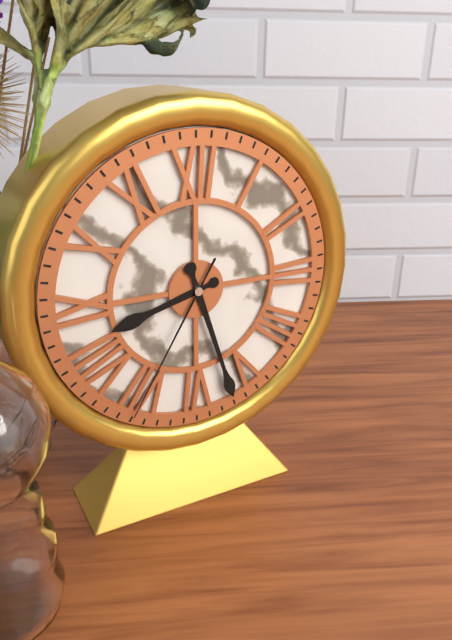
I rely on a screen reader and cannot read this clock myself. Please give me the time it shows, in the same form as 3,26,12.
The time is 8,27,35
